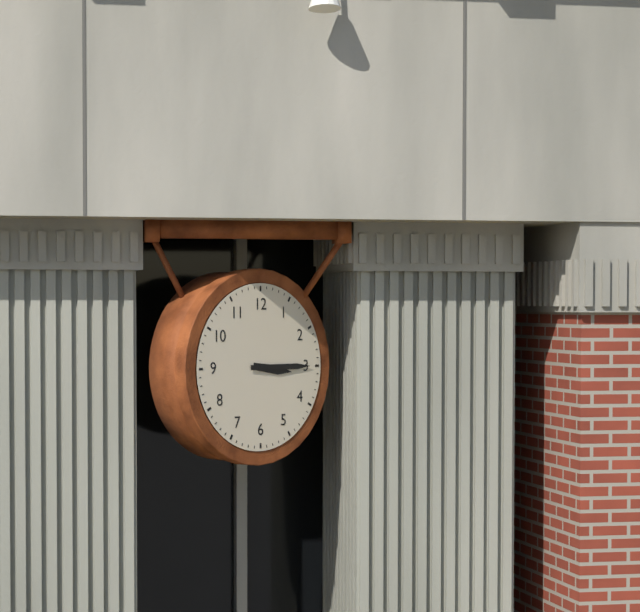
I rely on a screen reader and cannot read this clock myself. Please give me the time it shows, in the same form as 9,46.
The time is 3,15
